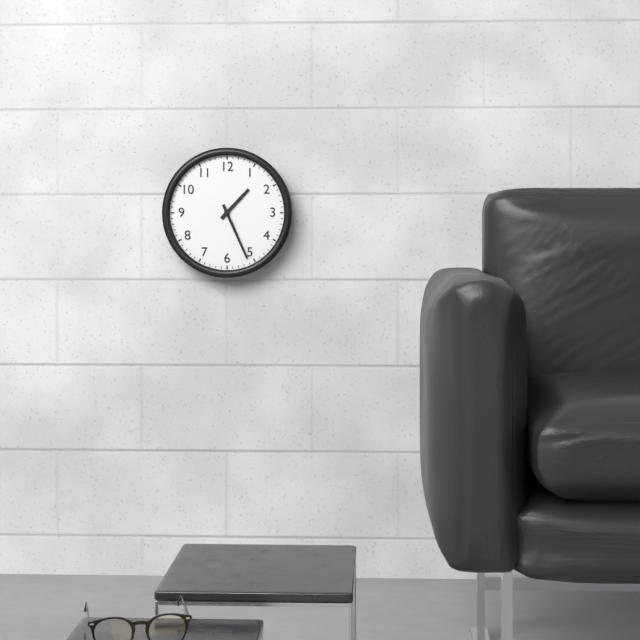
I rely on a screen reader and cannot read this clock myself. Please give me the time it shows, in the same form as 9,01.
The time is 1,26
